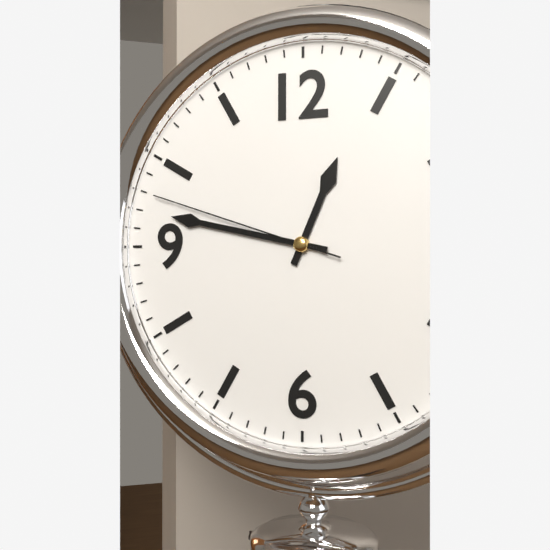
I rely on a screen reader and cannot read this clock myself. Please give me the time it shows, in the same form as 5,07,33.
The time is 12,47,48
